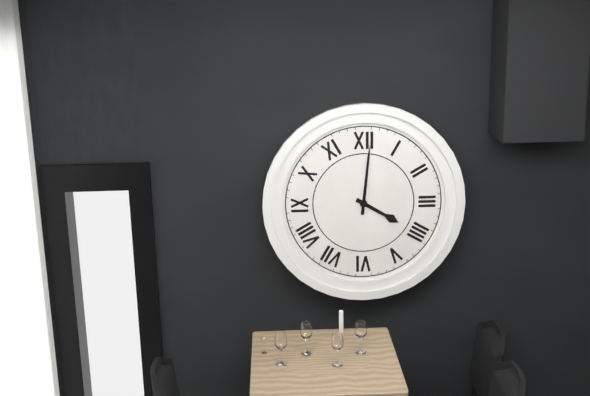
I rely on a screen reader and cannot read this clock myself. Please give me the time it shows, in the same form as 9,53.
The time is 4,01
